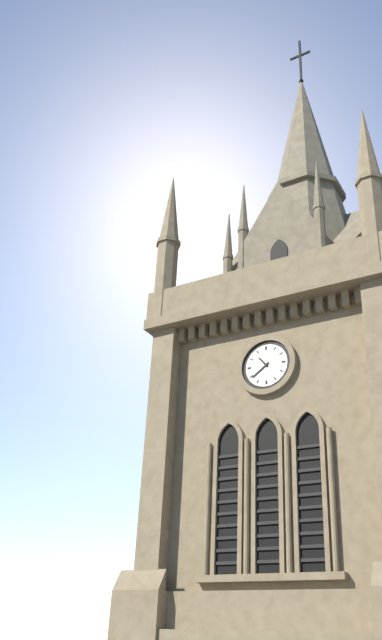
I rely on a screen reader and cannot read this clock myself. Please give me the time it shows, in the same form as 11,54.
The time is 10,39
